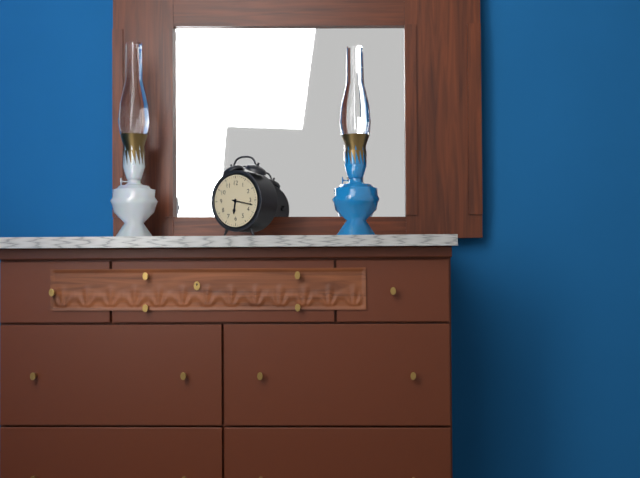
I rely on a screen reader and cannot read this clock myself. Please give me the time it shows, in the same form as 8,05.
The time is 6,17
